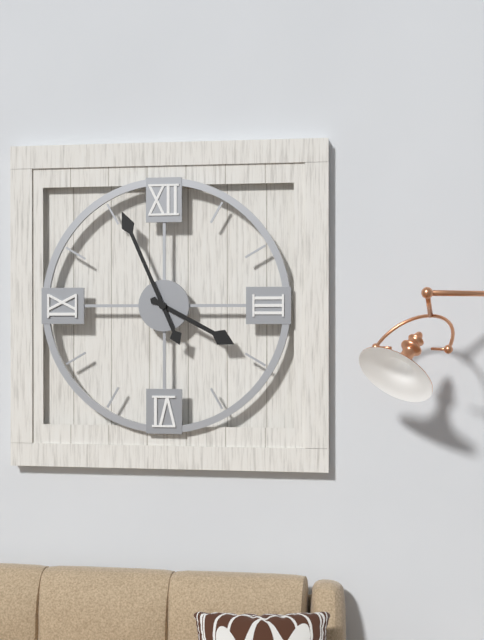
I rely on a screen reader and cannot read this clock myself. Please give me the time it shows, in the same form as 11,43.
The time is 3,56
